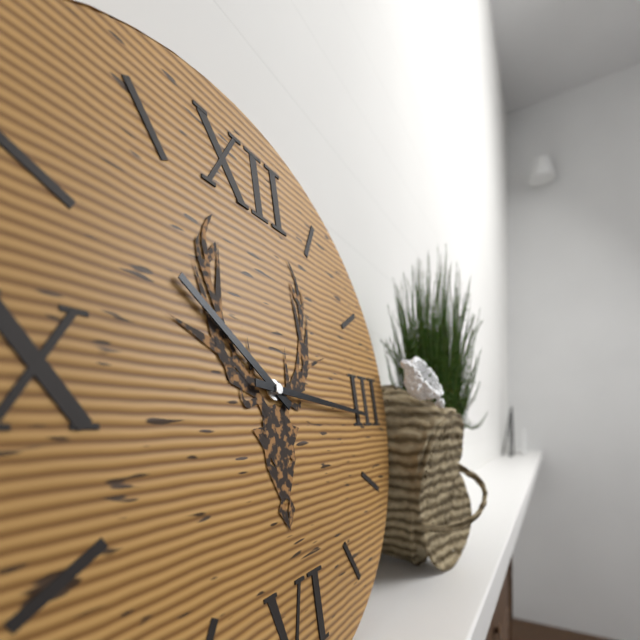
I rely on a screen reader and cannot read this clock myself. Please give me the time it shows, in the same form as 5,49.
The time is 10,16
